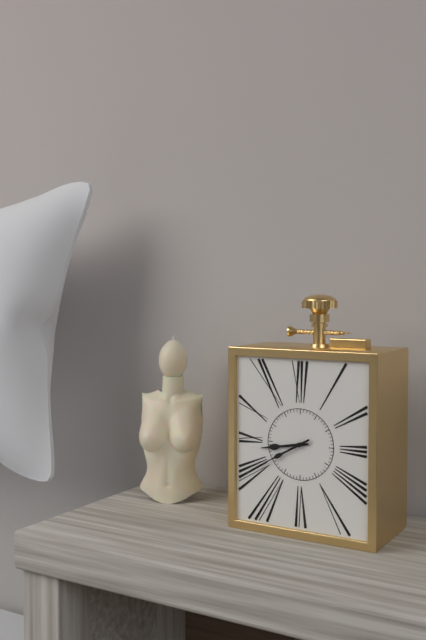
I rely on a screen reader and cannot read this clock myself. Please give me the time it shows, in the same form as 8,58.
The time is 8,40
